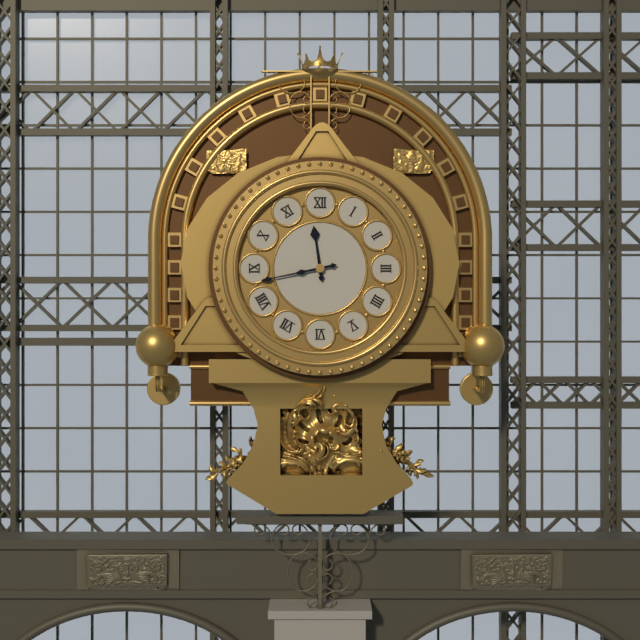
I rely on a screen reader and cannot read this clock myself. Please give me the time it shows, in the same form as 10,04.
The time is 11,43
